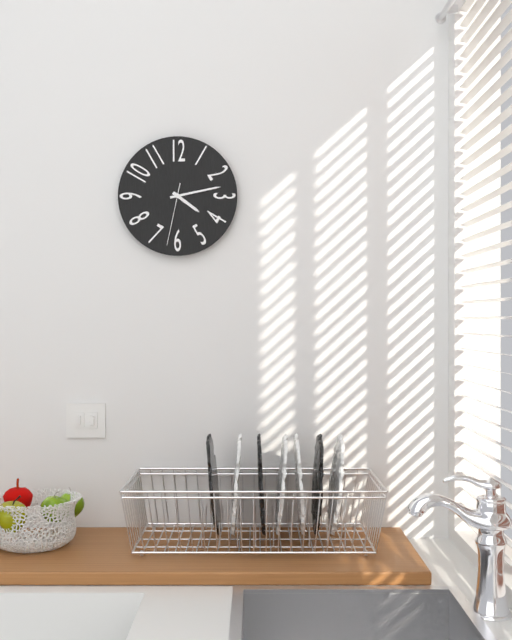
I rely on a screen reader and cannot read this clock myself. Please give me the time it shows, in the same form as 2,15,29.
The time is 4,13,32
